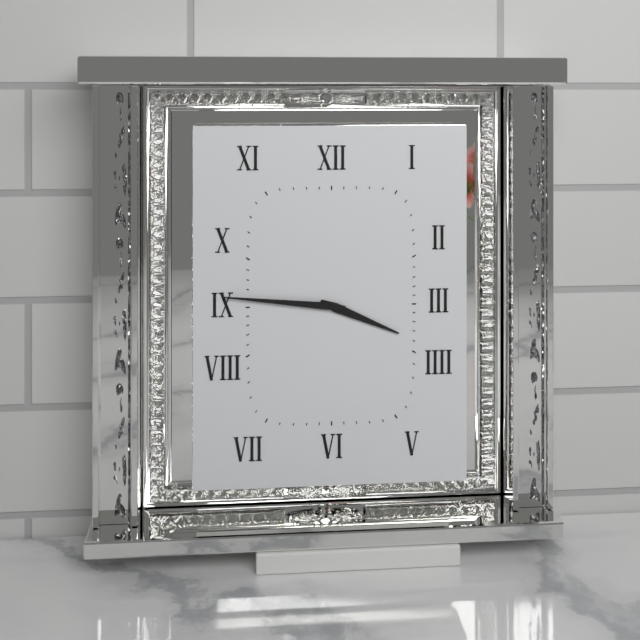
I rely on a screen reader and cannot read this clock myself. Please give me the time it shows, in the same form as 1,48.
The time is 3,46
